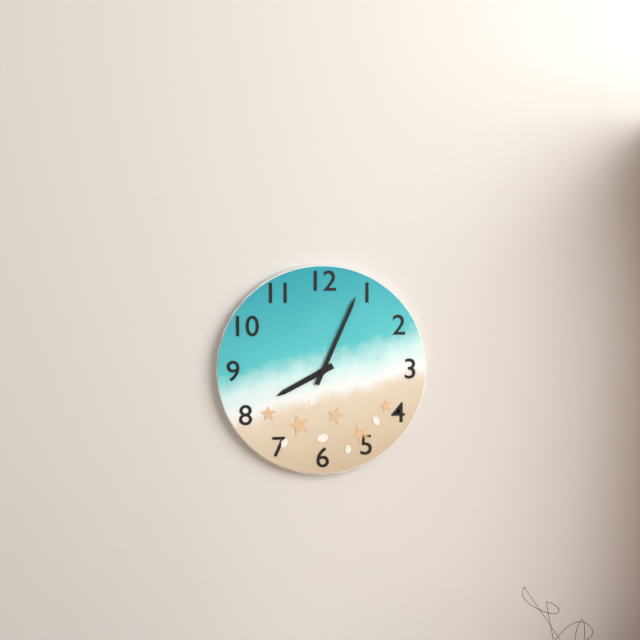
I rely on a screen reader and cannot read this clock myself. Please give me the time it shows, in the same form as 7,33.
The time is 8,04
